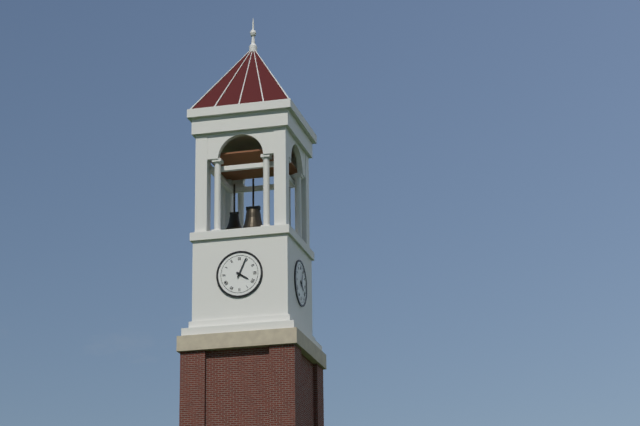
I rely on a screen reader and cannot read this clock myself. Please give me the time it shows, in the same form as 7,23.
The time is 4,04
